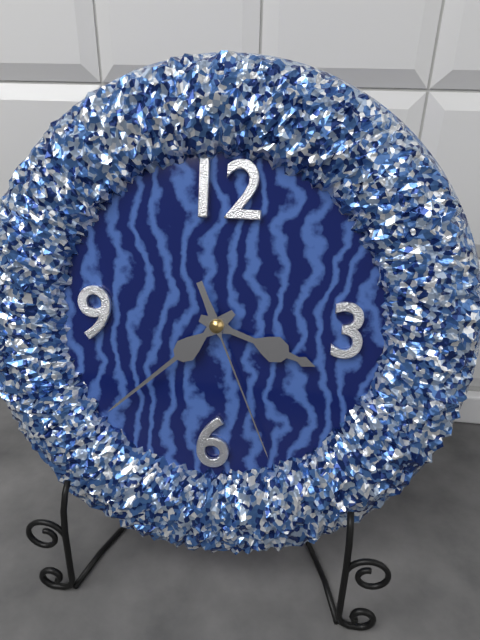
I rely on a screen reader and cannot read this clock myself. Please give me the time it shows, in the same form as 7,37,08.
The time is 3,38,26
